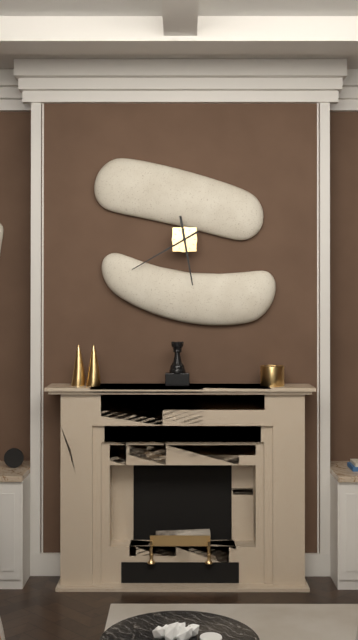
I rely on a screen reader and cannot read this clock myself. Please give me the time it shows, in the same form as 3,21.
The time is 5,40
